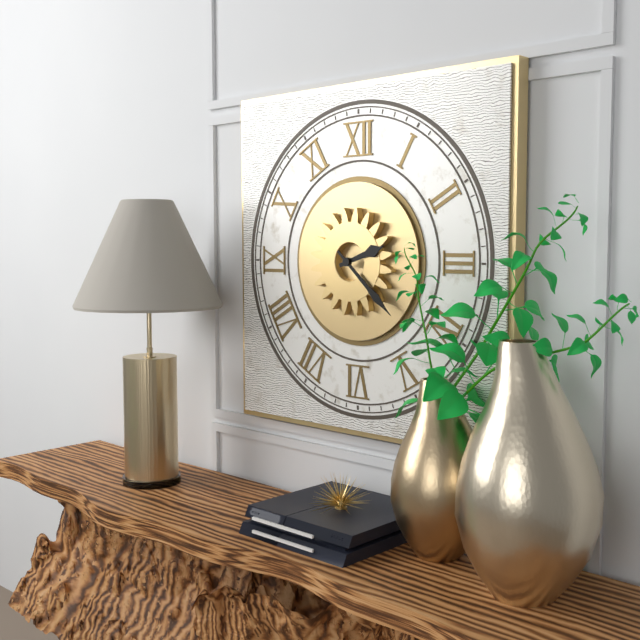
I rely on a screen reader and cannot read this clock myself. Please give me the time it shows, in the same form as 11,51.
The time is 2,22
